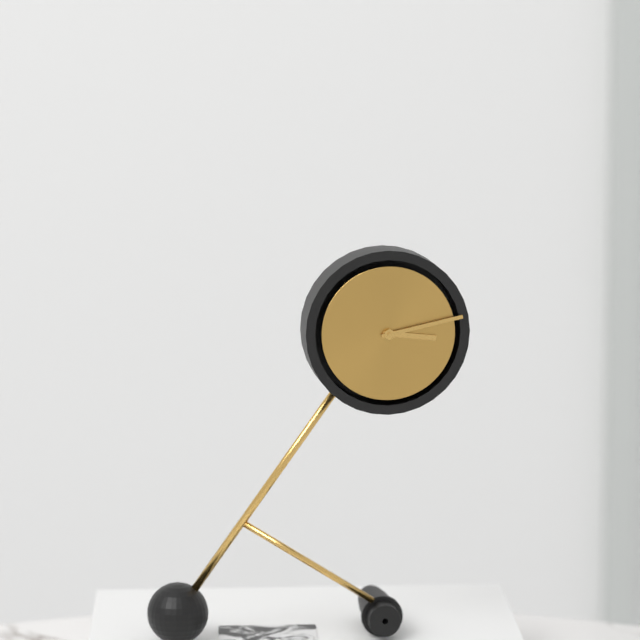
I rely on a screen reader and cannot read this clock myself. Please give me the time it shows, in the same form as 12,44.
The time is 3,13
